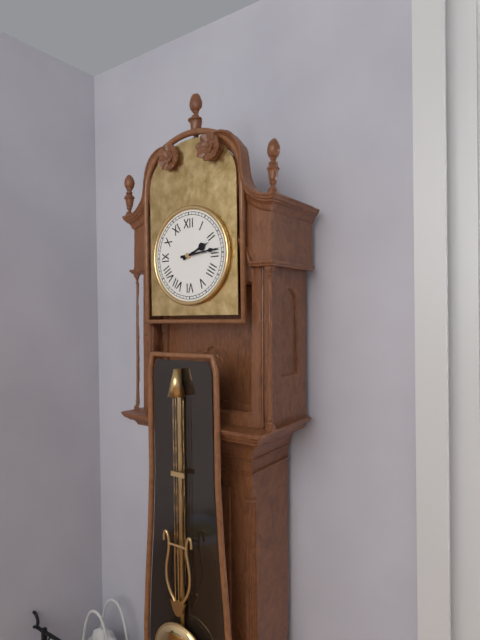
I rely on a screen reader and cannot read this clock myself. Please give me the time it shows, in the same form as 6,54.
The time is 2,14
